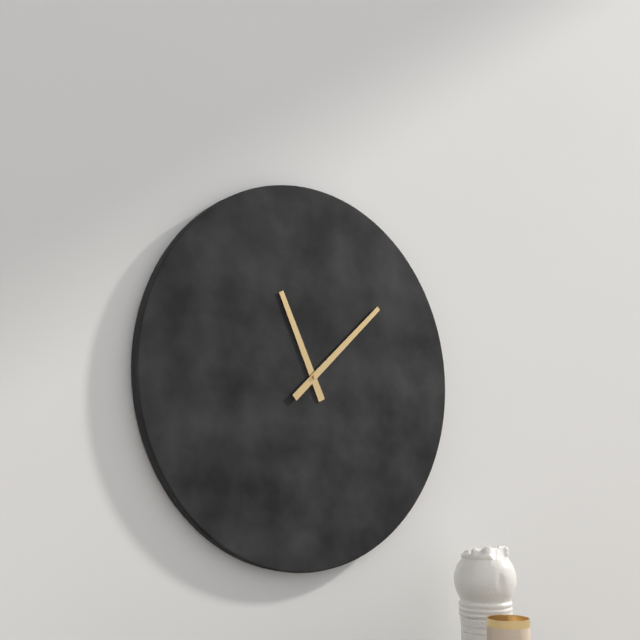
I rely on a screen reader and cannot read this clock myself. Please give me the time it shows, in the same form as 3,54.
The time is 11,08
